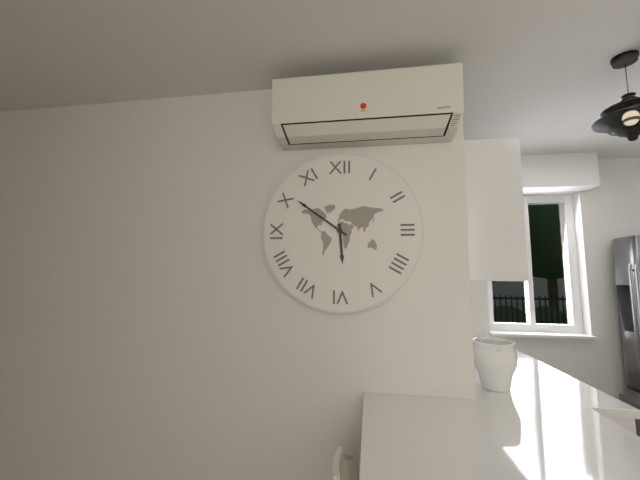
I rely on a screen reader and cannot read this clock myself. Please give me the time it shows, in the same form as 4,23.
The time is 5,51
